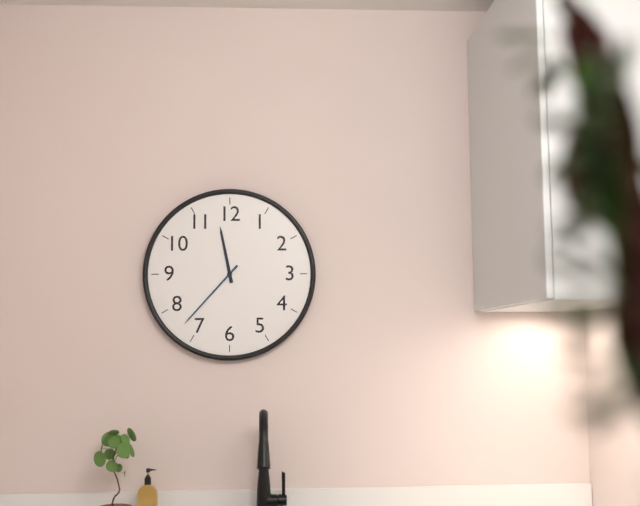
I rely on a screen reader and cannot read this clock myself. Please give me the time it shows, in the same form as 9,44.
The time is 11,37
